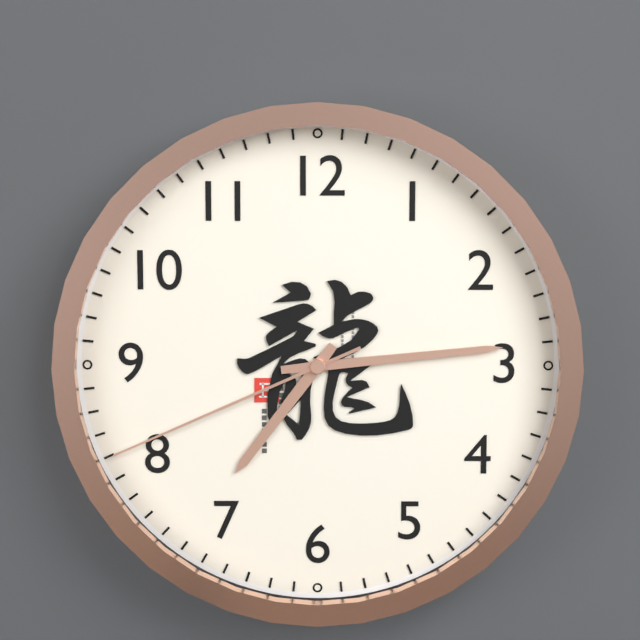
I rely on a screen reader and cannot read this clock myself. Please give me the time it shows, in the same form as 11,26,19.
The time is 7,14,41
